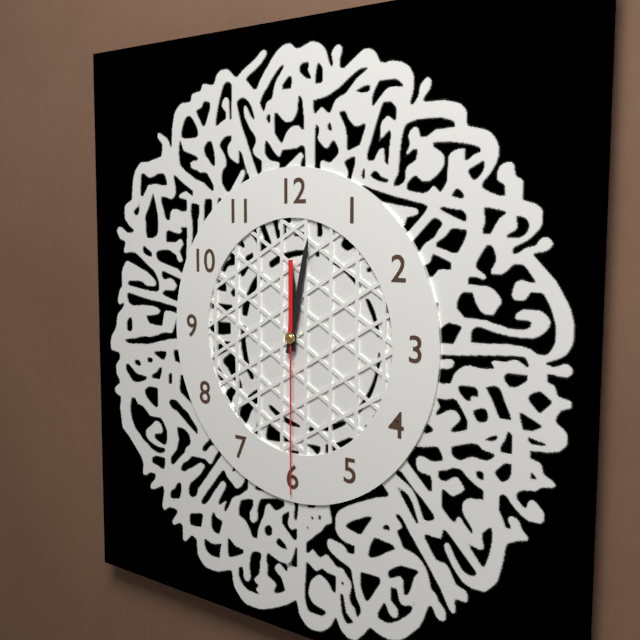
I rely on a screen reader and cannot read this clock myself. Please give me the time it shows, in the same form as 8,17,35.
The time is 12,02,30
